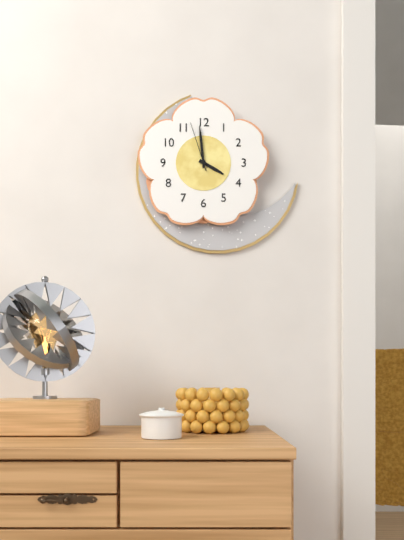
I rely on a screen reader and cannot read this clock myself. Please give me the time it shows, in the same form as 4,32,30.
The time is 3,59,57
